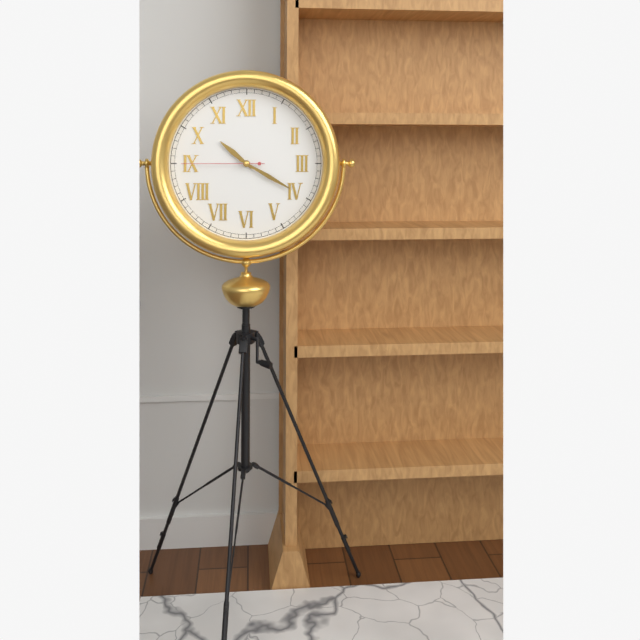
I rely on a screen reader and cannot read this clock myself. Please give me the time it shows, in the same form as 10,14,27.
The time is 10,20,45
